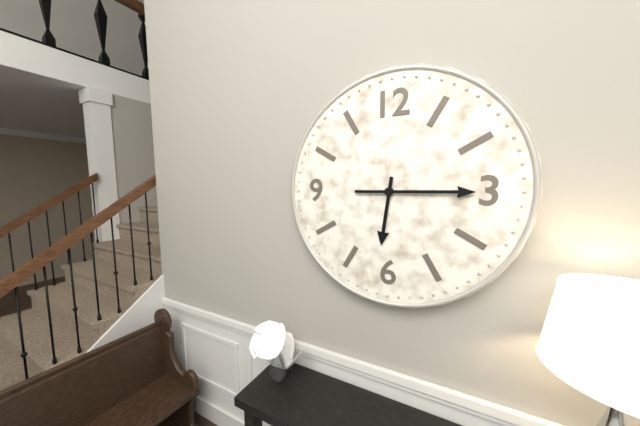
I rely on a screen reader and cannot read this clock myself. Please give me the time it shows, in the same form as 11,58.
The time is 6,15
